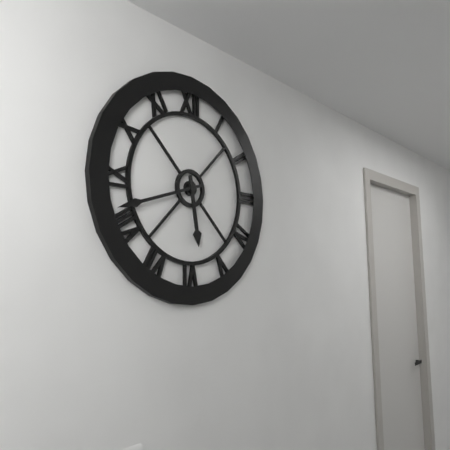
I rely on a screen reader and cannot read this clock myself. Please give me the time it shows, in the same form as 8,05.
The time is 5,42
